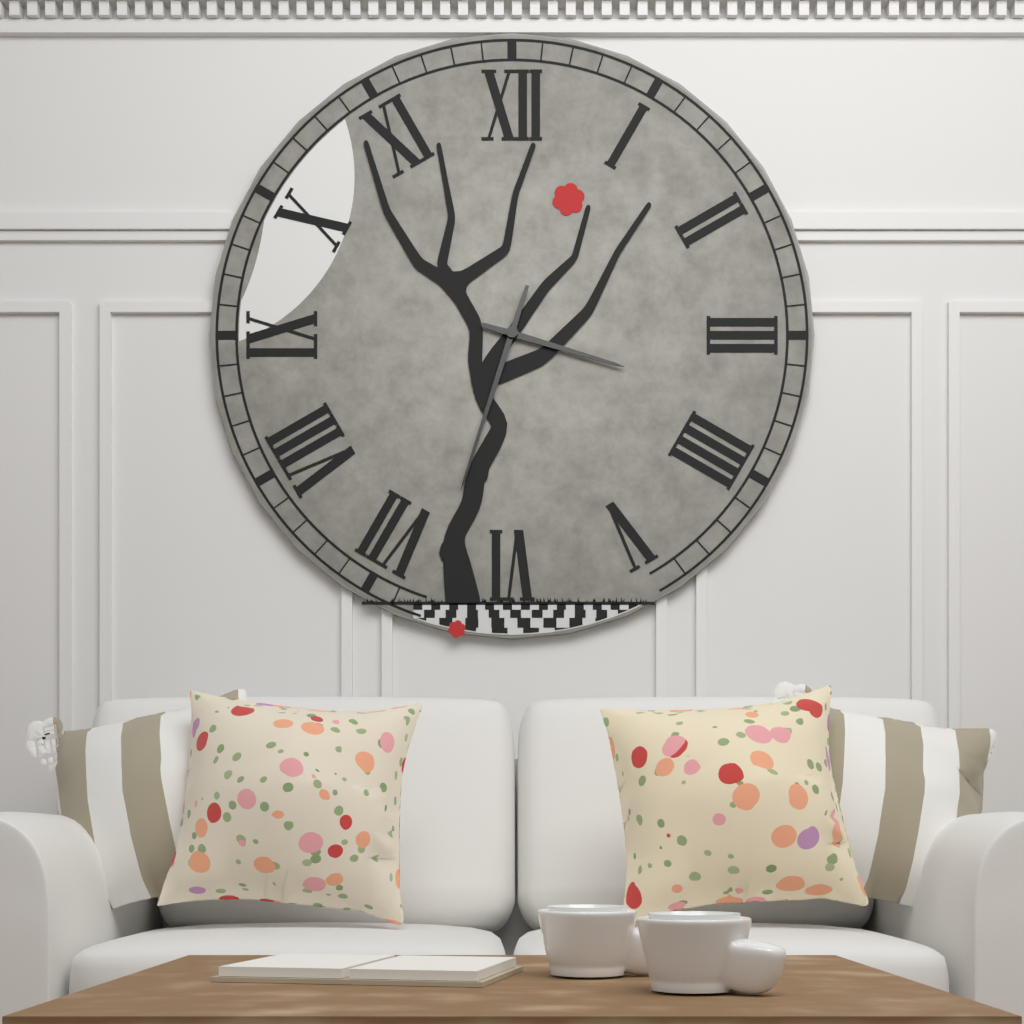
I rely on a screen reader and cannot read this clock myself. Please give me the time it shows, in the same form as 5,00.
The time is 3,33
